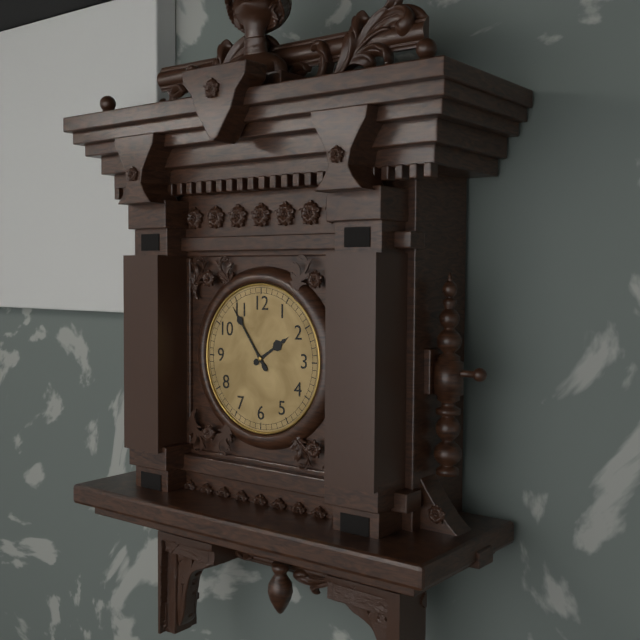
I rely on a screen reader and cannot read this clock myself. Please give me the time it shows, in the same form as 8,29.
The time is 1,54
